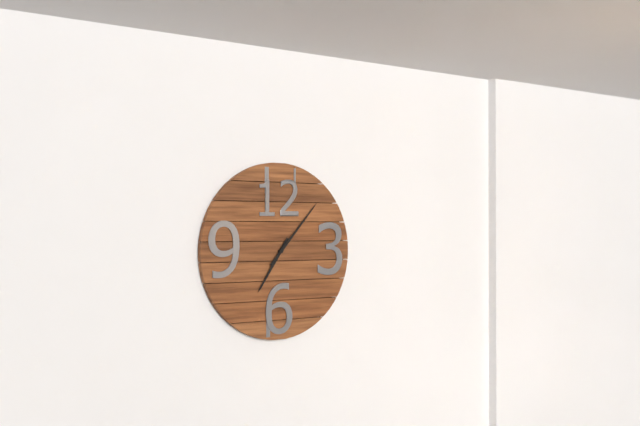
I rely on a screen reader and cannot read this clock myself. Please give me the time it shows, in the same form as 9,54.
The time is 7,07
